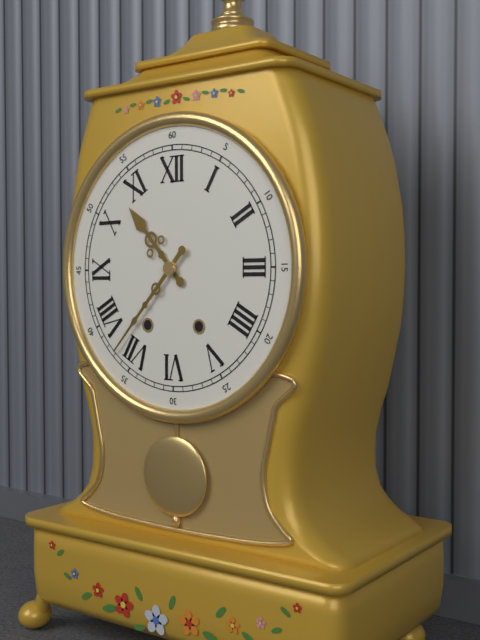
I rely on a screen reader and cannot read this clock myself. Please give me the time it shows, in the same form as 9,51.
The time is 10,37
